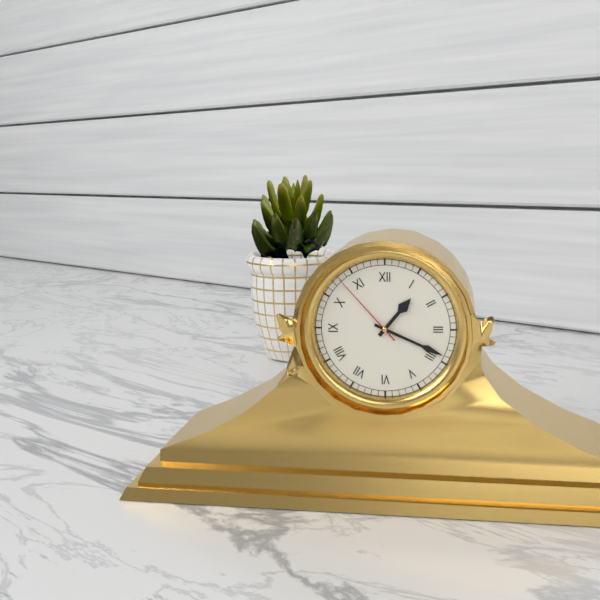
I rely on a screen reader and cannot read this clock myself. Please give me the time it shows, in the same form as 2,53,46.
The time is 1,19,53
